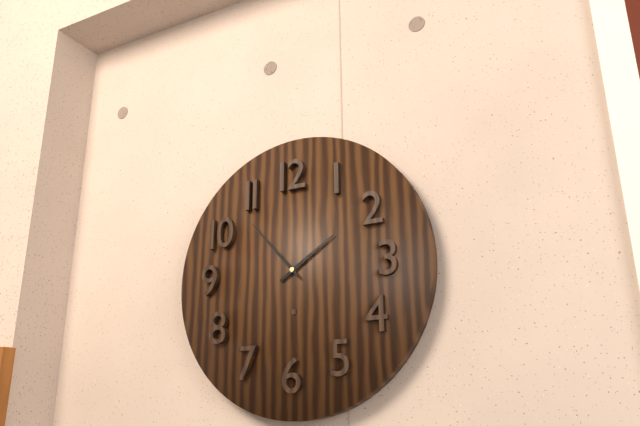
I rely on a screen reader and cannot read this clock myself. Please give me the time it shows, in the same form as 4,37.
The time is 1,53
